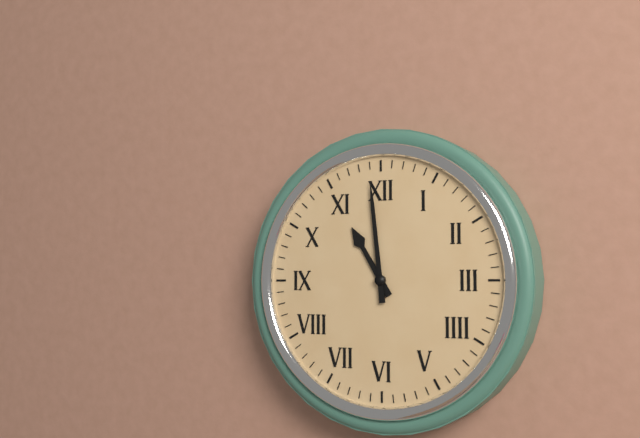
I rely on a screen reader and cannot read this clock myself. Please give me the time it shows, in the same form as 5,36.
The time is 10,59
